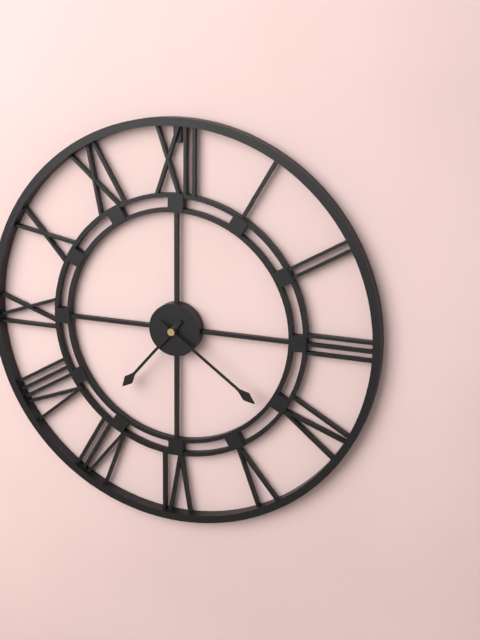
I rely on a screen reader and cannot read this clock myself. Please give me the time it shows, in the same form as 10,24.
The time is 7,21
